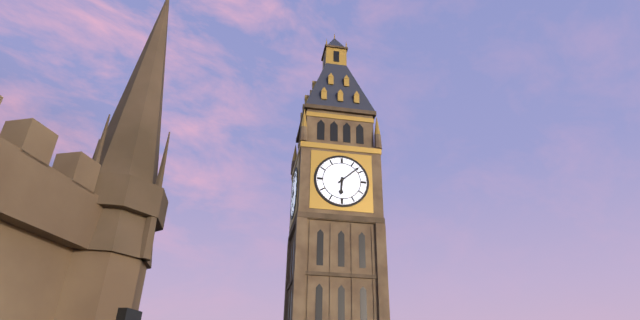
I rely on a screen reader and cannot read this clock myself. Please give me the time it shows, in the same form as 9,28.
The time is 6,08
